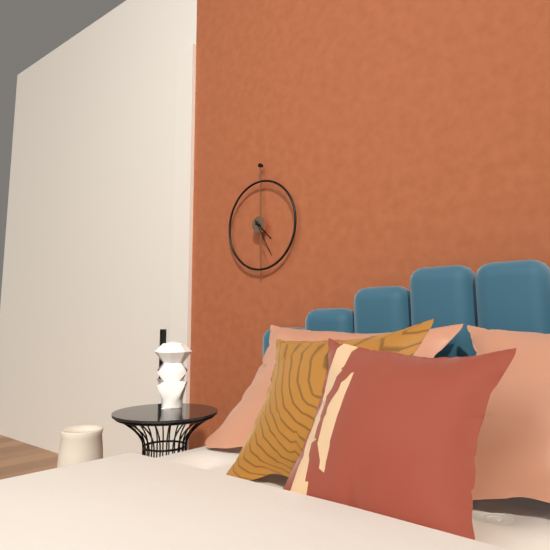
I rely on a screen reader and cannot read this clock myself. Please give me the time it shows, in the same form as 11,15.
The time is 4,25
